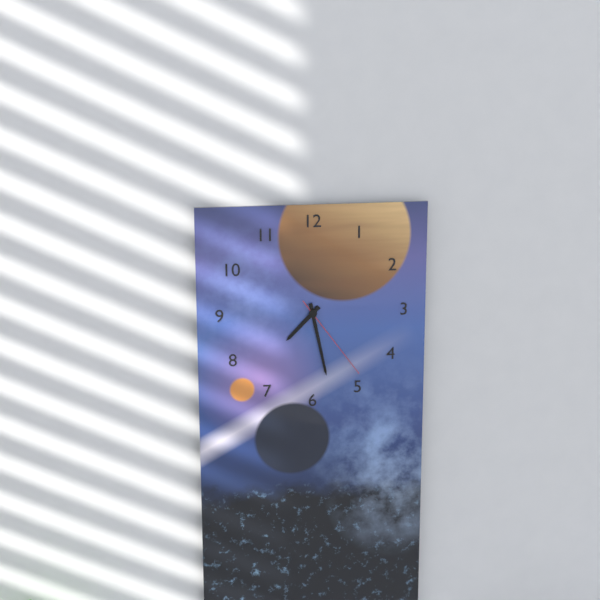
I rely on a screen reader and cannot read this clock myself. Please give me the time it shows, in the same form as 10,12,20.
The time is 7,28,24
